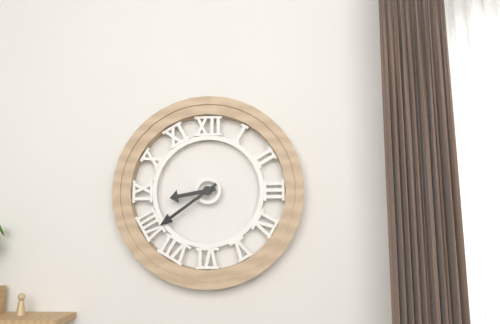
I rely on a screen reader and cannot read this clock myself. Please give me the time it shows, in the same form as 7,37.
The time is 8,39
